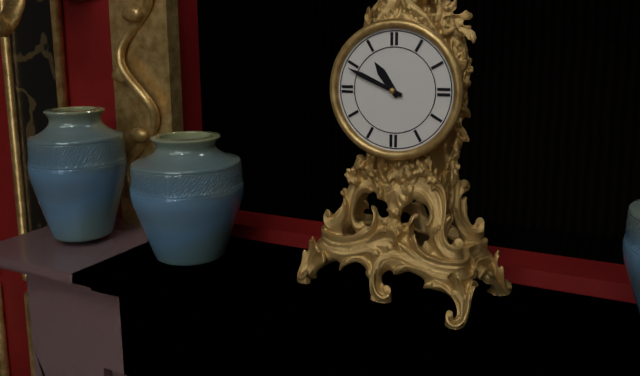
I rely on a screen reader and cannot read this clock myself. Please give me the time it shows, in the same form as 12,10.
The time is 10,49
